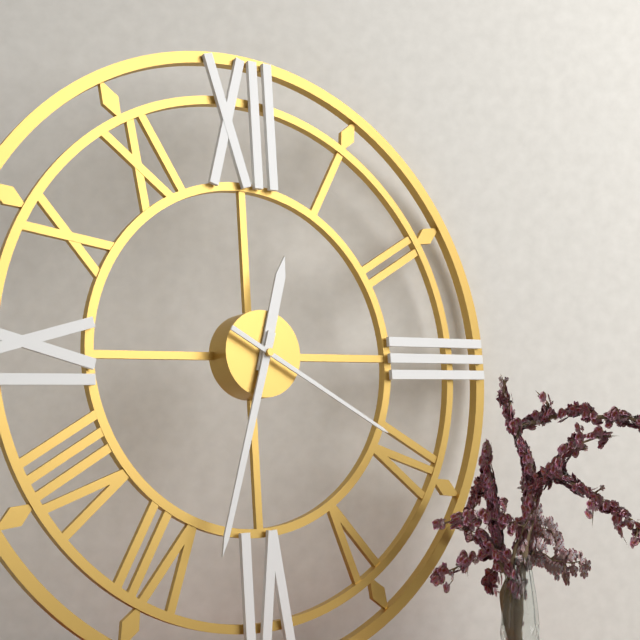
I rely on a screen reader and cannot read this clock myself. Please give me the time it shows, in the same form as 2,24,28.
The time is 12,33,20
